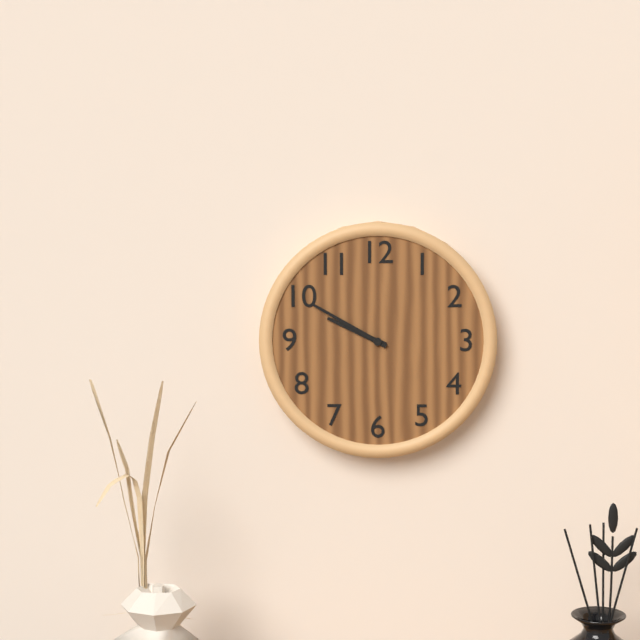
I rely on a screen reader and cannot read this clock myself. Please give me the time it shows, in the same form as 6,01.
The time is 9,50
